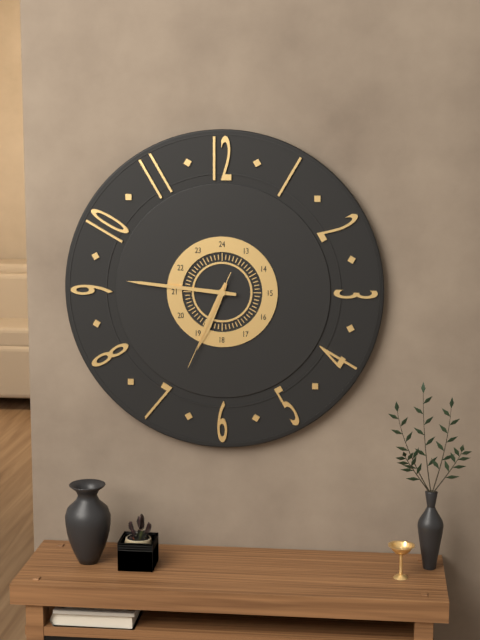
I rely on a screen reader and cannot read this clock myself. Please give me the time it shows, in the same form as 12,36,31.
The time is 6,46,34
